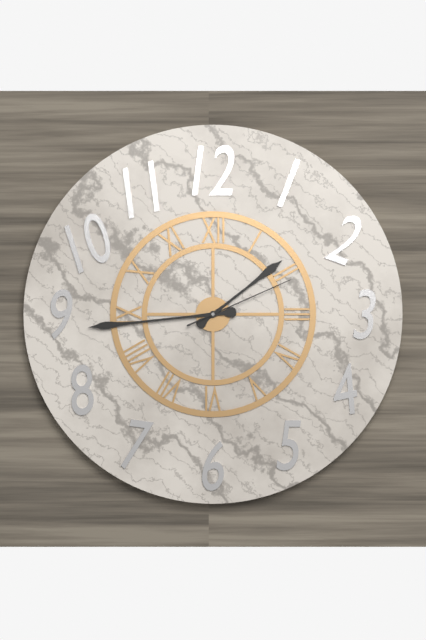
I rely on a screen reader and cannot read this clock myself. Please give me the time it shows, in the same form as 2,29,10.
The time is 1,44,11
